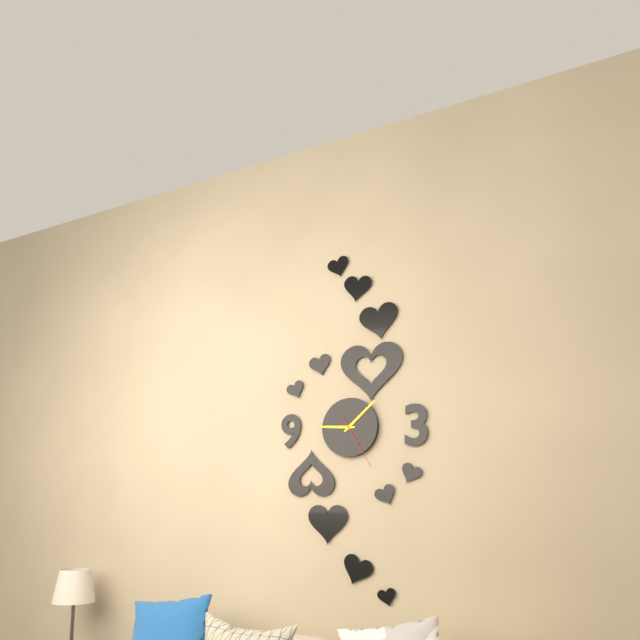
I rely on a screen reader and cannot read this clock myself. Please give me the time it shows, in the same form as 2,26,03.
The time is 9,08,25
